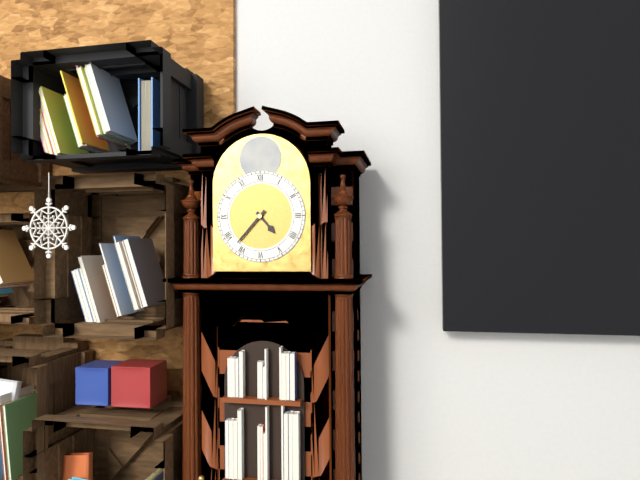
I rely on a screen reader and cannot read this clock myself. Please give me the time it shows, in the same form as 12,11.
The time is 4,37
